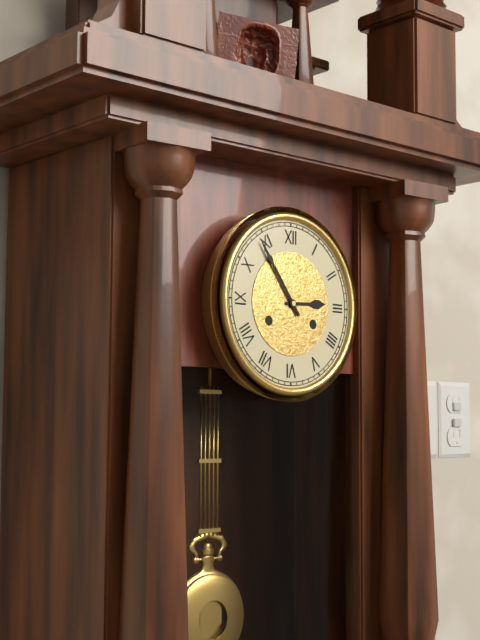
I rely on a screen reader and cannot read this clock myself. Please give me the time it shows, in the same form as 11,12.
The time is 2,54
